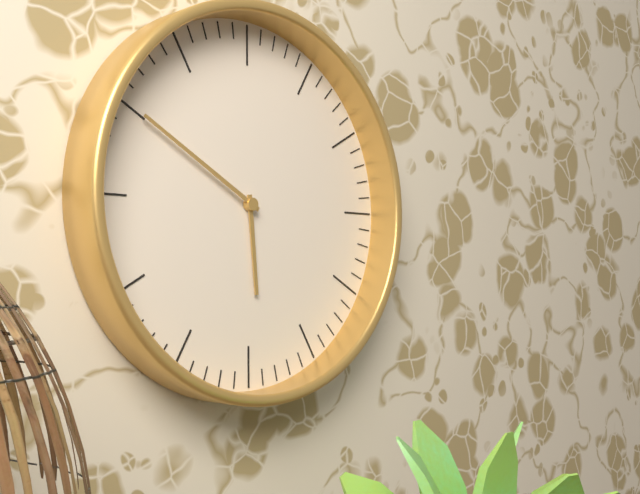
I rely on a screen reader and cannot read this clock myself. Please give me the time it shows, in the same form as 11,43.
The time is 5,50
